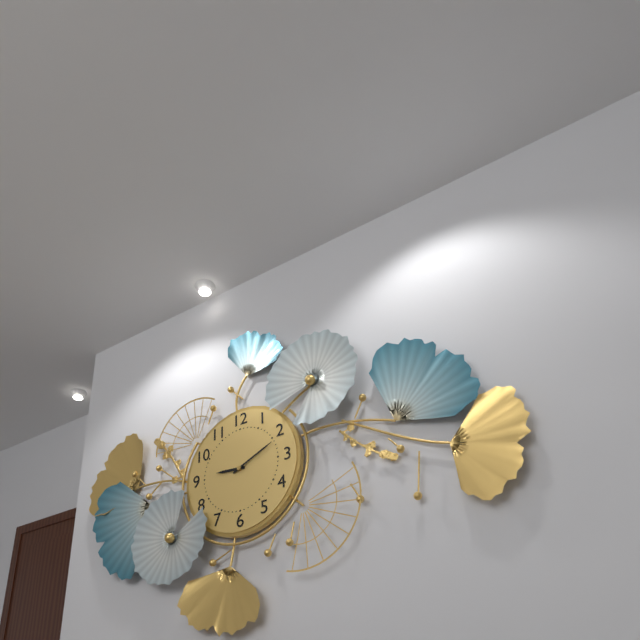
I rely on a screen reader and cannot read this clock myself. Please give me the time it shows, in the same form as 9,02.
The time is 9,11
